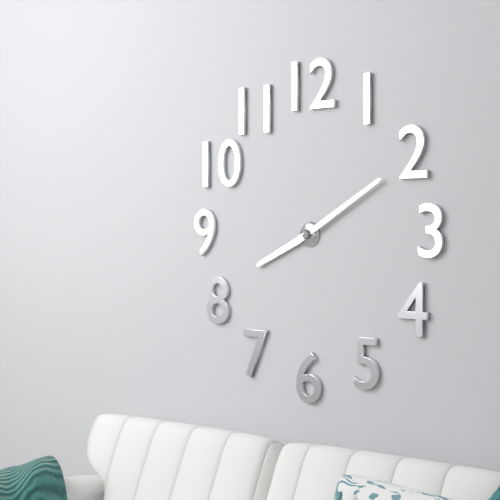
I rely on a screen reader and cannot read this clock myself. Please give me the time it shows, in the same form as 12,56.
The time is 8,10
